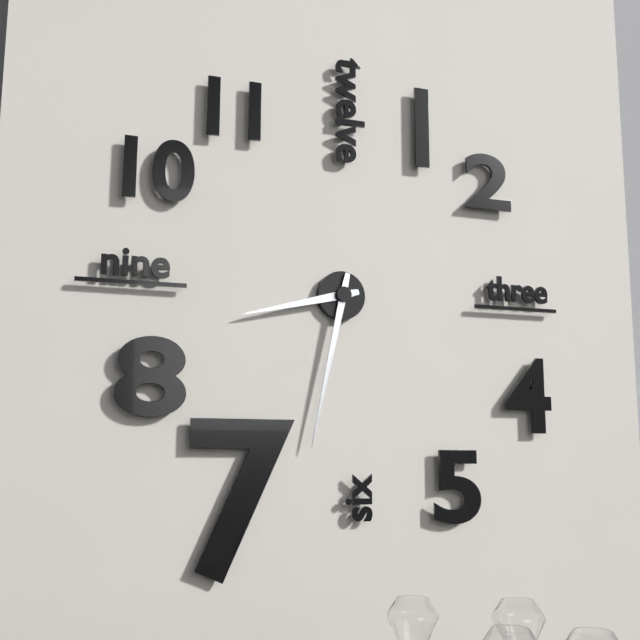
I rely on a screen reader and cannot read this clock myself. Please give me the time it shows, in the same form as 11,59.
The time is 8,32
